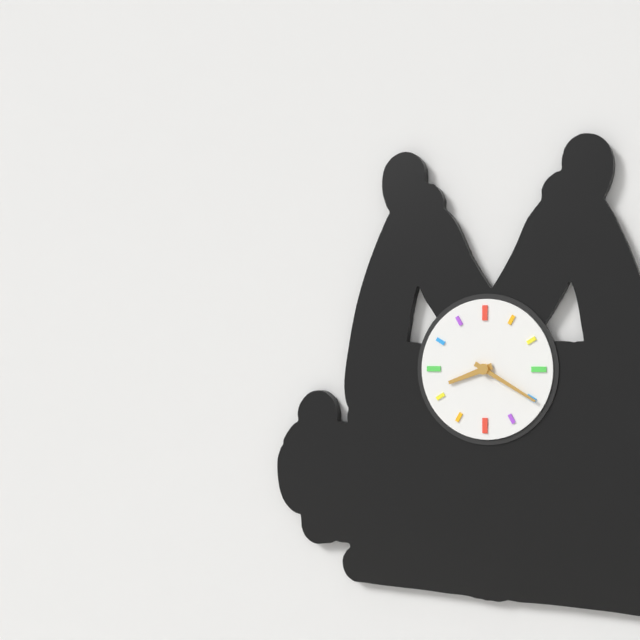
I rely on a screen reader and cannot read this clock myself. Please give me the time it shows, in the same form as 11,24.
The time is 8,20
